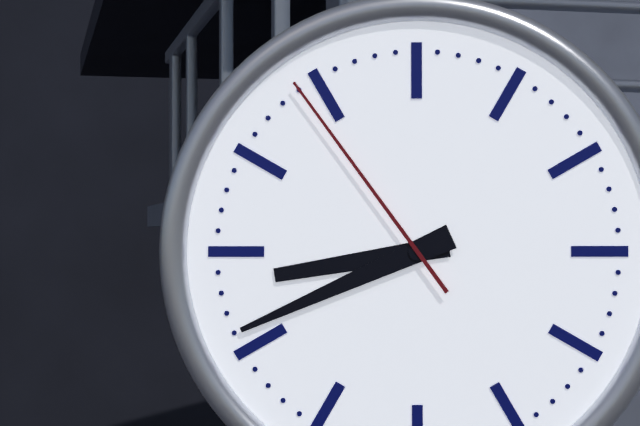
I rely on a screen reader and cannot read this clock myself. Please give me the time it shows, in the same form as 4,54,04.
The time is 8,41,54
